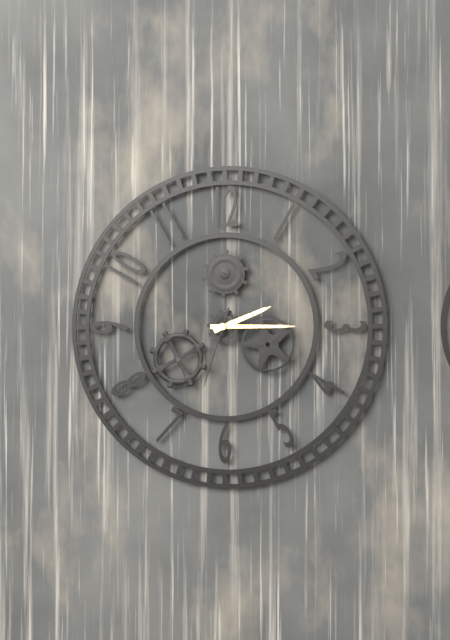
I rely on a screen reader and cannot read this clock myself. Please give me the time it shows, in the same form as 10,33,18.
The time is 2,15,33
